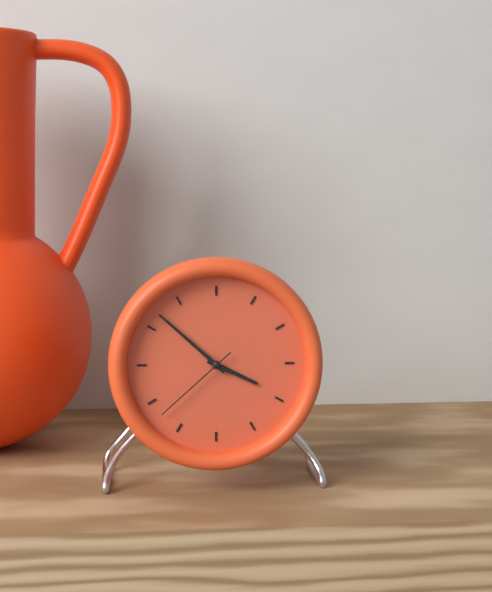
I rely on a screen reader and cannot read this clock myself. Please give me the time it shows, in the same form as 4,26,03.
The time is 3,52,38
